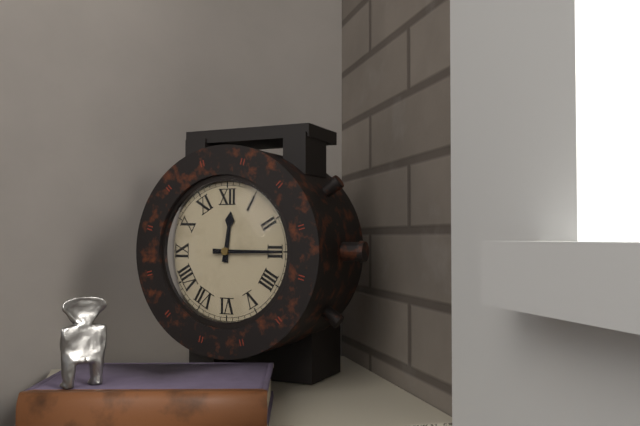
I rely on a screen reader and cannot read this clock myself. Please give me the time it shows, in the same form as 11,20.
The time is 12,15
